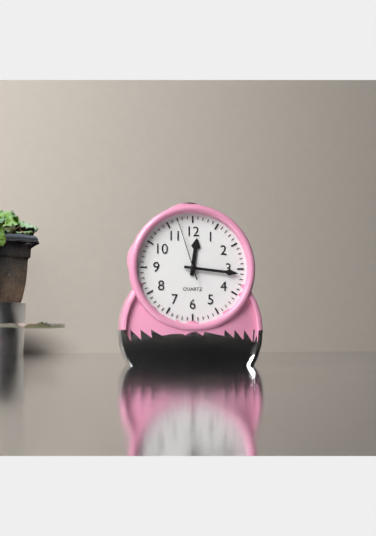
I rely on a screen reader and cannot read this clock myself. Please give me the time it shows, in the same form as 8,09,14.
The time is 12,16,57
